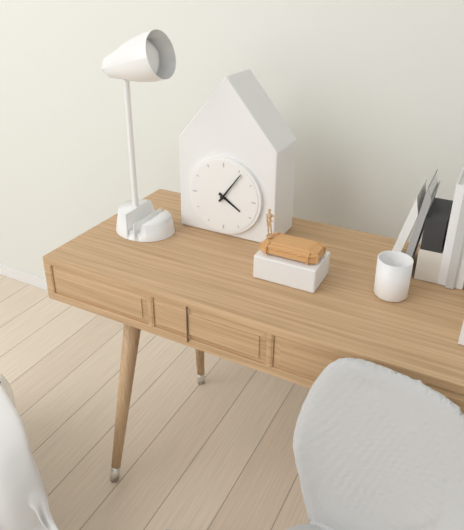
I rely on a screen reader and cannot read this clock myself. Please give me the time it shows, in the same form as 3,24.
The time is 4,06
